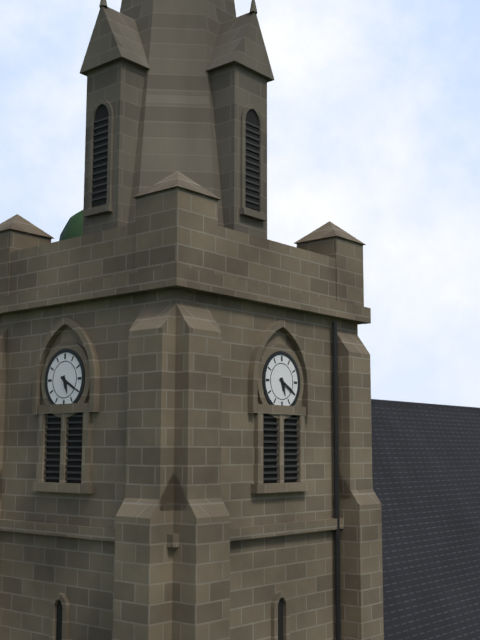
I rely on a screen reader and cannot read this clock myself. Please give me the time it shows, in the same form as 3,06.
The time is 5,20
